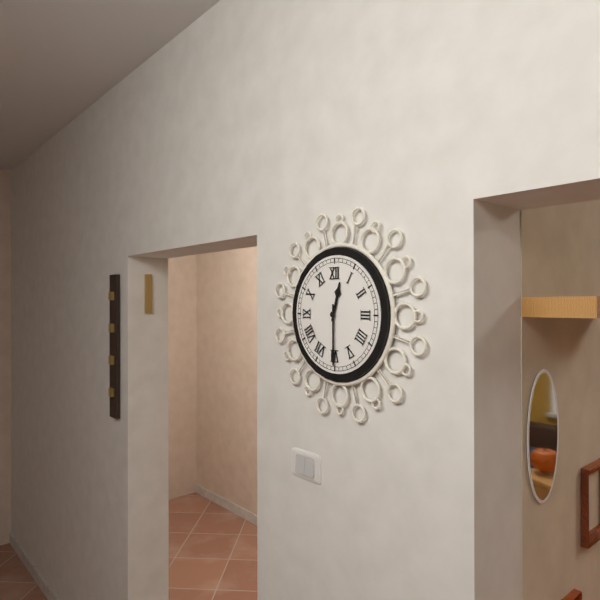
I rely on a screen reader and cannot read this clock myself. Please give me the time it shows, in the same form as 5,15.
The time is 12,30
